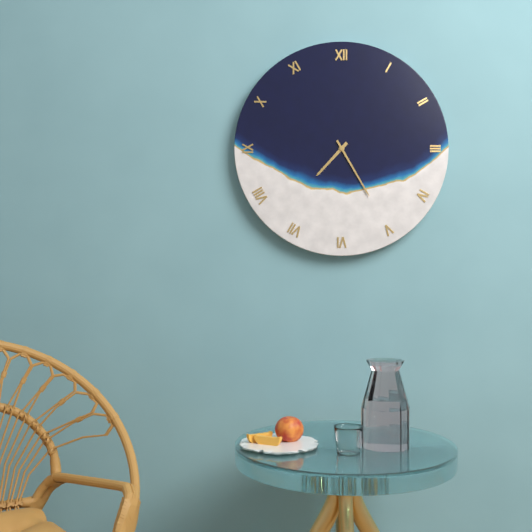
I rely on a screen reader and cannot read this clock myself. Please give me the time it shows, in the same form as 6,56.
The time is 7,25
